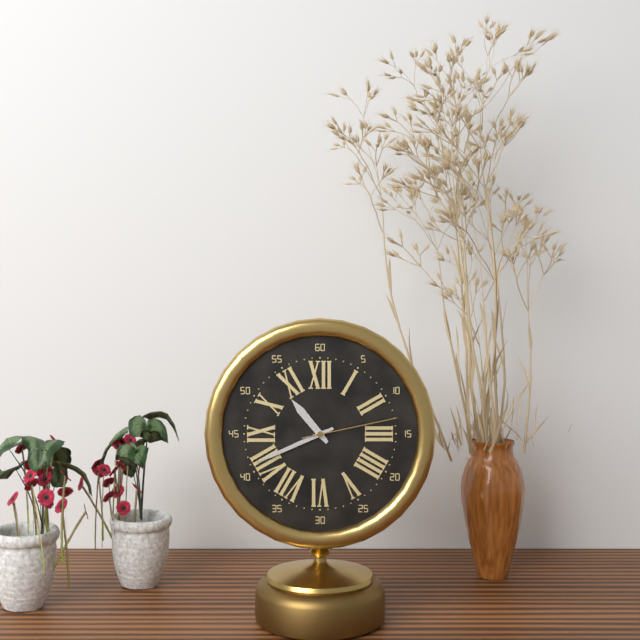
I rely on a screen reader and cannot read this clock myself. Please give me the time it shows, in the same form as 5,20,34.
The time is 10,41,13
